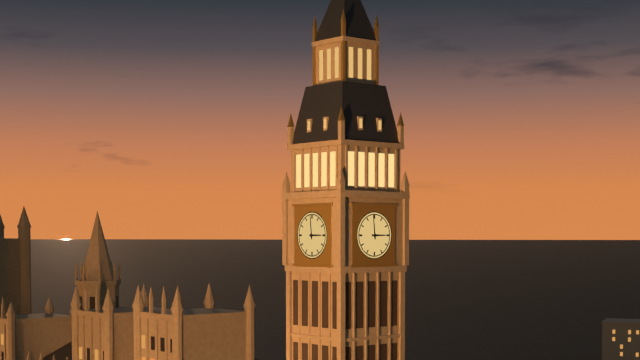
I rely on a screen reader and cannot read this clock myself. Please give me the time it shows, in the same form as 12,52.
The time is 2,59
